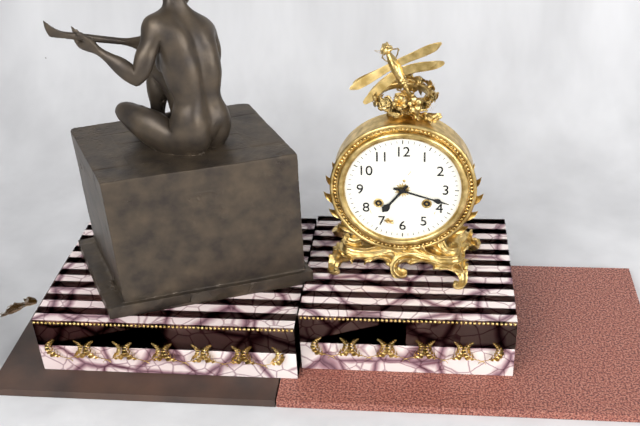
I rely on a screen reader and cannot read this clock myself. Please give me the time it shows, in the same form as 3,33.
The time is 7,18
